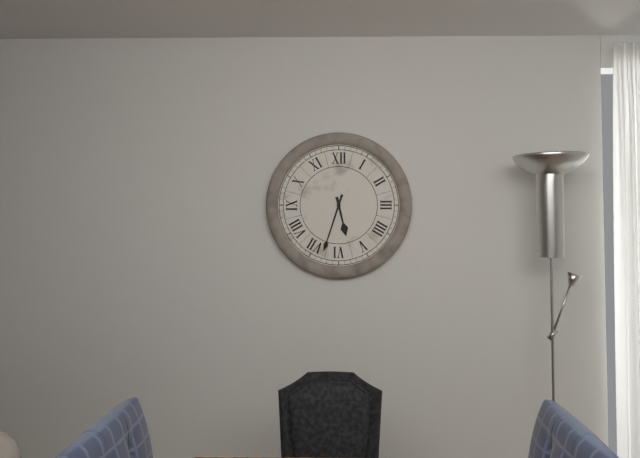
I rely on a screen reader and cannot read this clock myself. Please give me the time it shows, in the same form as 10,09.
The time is 5,33
